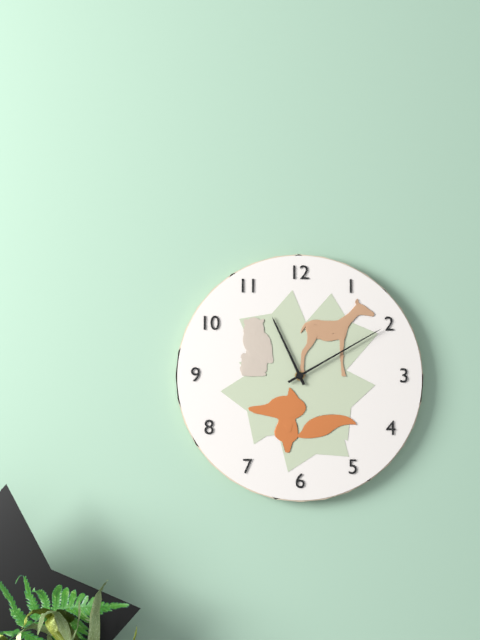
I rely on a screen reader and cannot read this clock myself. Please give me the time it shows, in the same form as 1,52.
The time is 11,10
